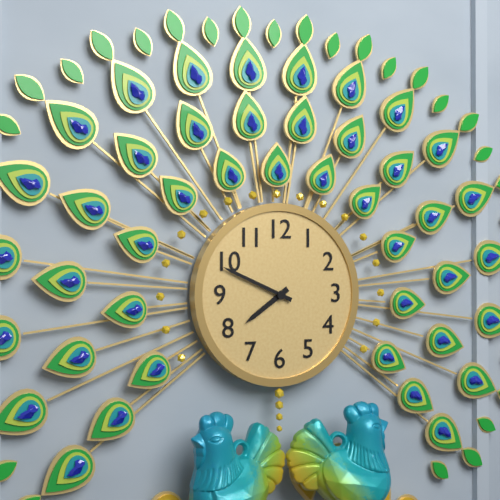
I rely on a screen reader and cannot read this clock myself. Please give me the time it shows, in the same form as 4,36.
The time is 7,49
